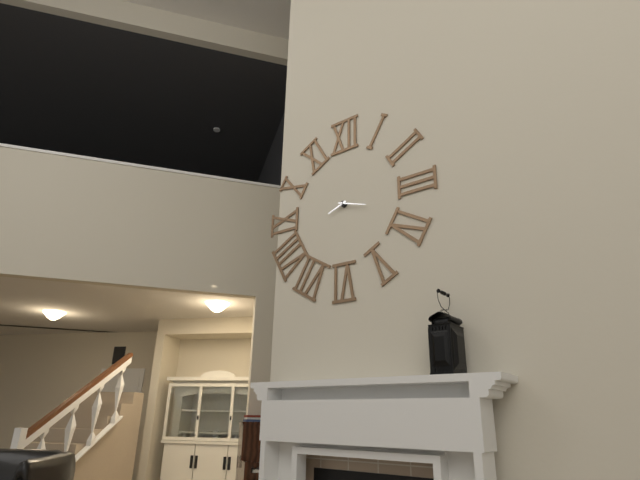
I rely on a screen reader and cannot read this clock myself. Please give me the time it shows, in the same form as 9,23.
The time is 8,18
